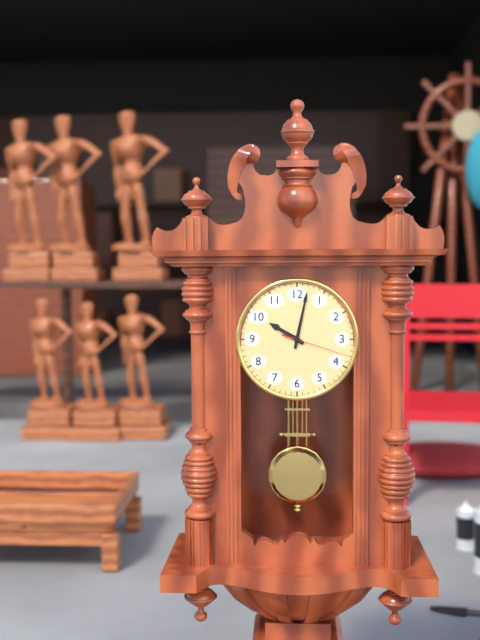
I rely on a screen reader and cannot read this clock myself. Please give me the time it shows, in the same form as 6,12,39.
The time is 10,02,18
